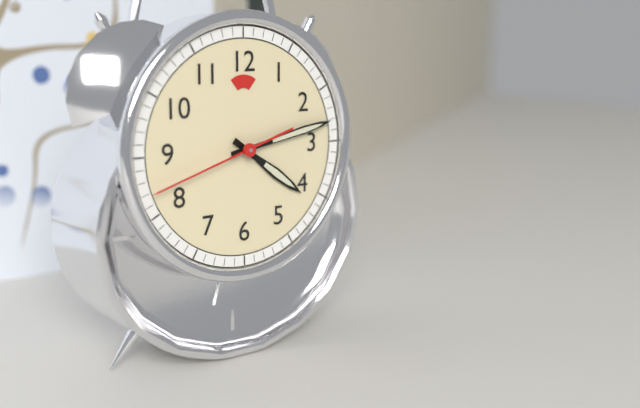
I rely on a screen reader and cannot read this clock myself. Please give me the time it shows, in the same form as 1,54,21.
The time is 4,13,42
